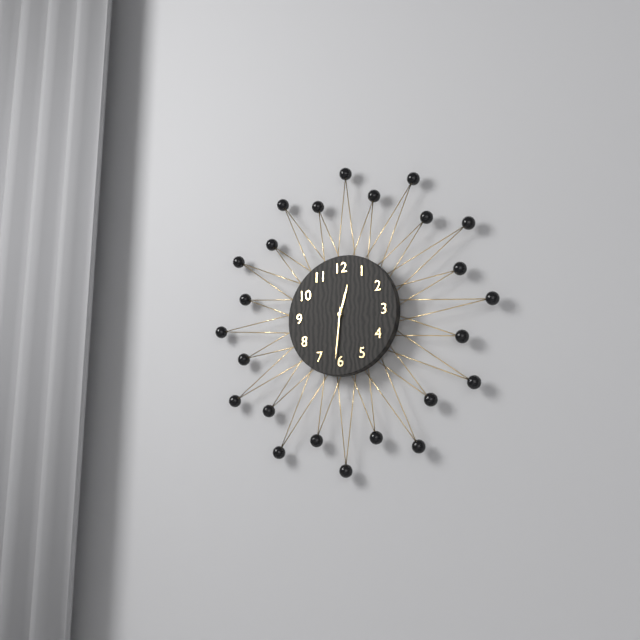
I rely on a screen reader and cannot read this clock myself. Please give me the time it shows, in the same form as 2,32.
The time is 12,31
